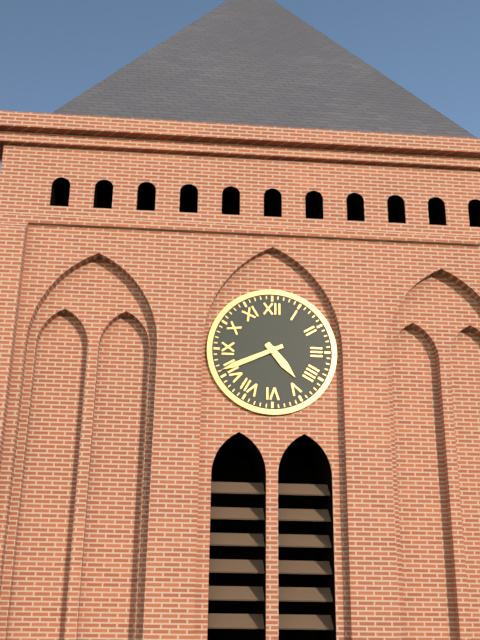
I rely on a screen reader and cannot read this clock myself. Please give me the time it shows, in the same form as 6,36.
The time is 4,41
